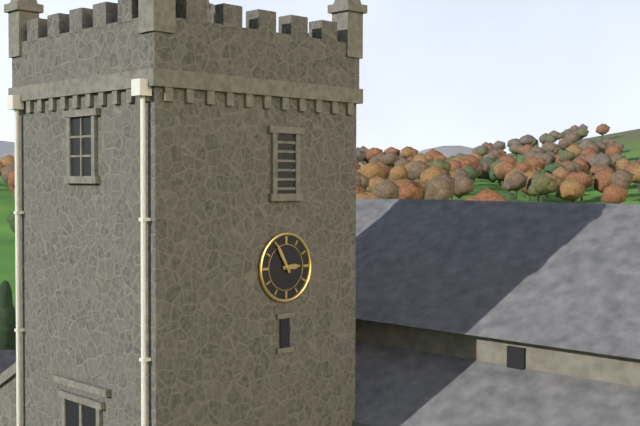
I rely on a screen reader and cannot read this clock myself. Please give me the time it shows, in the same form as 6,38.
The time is 2,55
